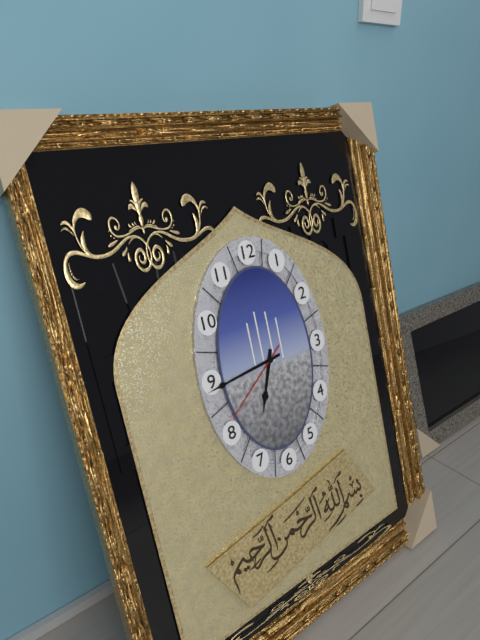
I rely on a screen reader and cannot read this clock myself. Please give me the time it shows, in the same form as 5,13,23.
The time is 6,44,39
